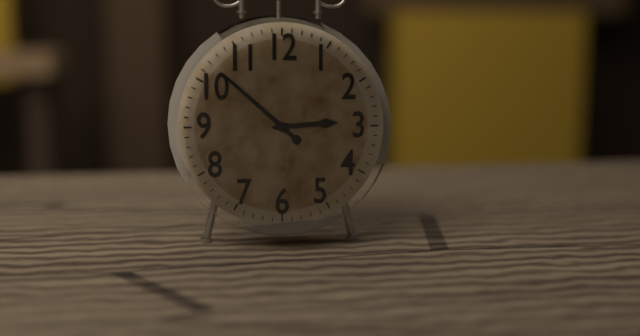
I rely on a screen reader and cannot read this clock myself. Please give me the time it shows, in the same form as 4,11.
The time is 2,52
